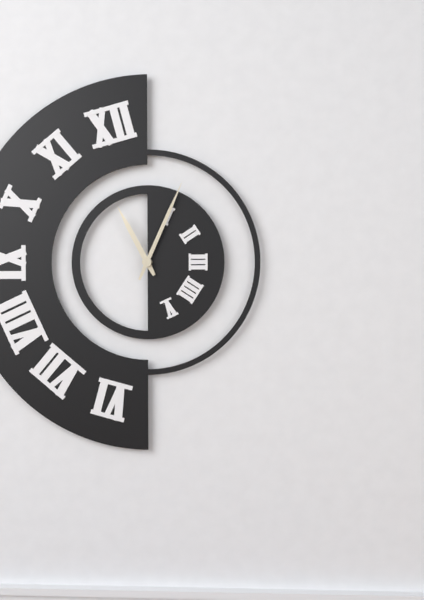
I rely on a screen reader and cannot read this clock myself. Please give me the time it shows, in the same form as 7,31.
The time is 11,04
